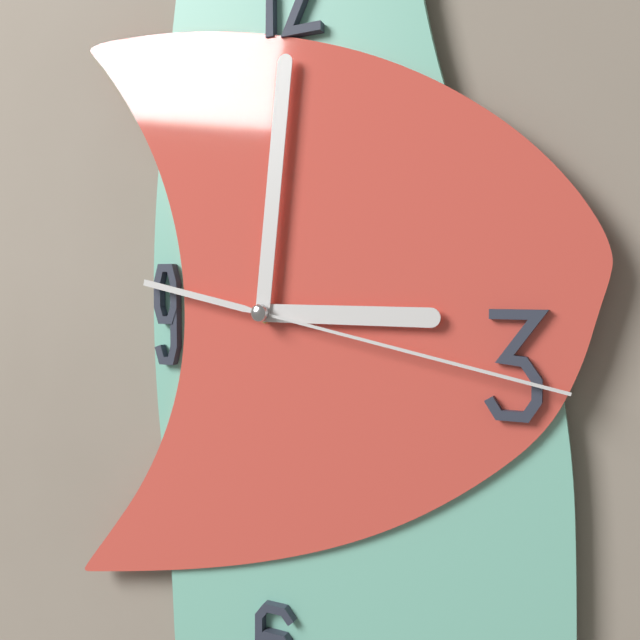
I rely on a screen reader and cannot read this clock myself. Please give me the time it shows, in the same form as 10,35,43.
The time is 3,01,17
